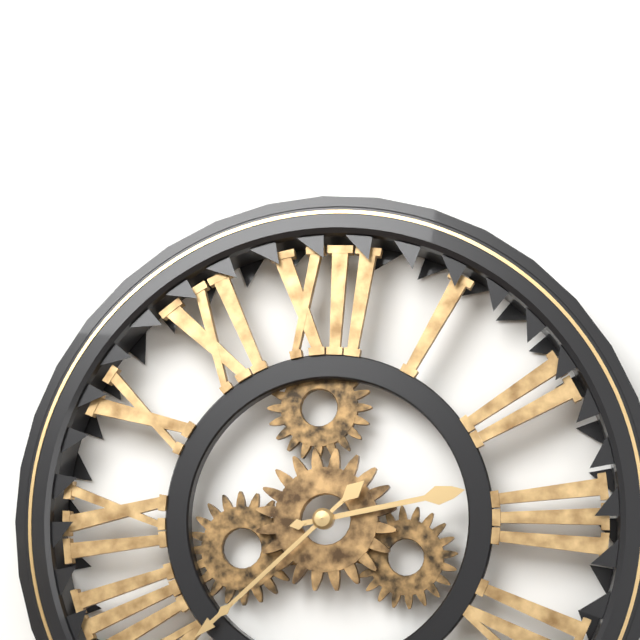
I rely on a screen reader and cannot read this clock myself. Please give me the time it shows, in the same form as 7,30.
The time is 2,38
